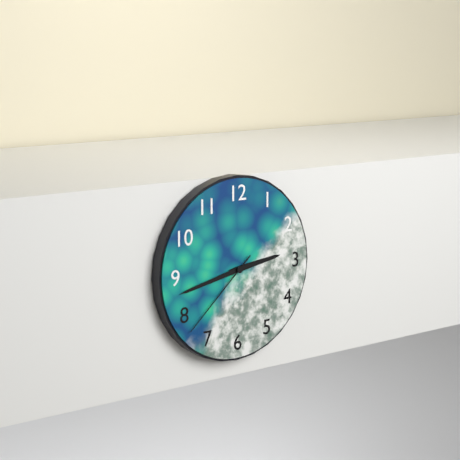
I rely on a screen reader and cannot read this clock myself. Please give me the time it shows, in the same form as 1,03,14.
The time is 2,43,38
